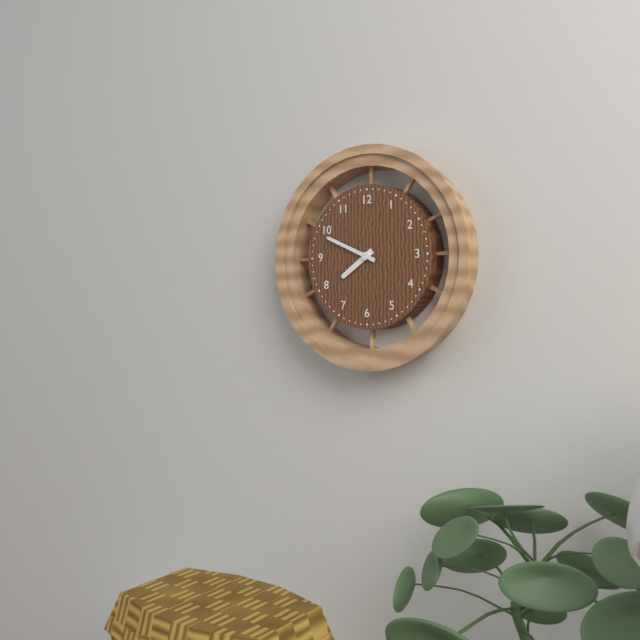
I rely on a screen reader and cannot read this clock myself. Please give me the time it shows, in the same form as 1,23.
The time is 7,49
